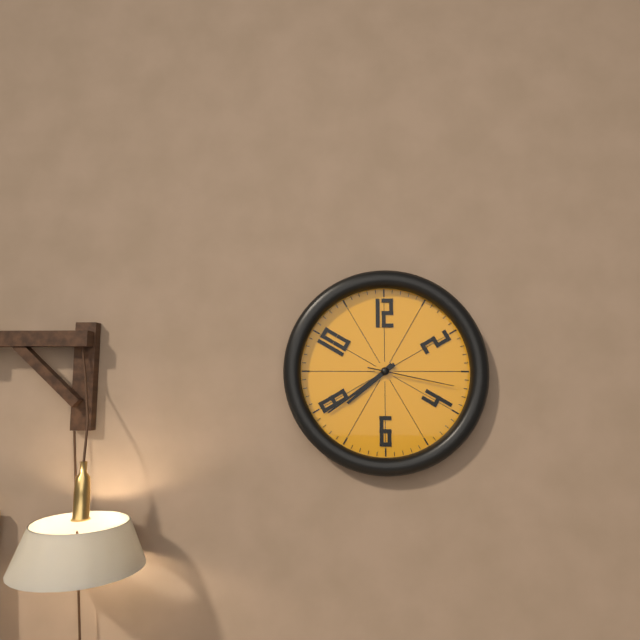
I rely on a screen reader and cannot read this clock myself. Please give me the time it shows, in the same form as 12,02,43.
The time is 7,39,17
